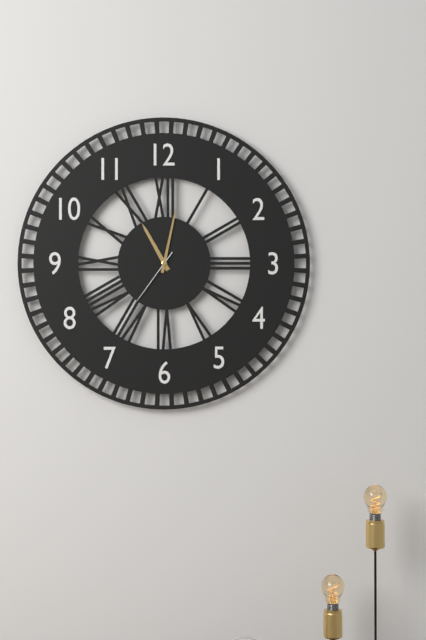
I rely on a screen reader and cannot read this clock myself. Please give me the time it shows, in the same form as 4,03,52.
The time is 11,02,36
